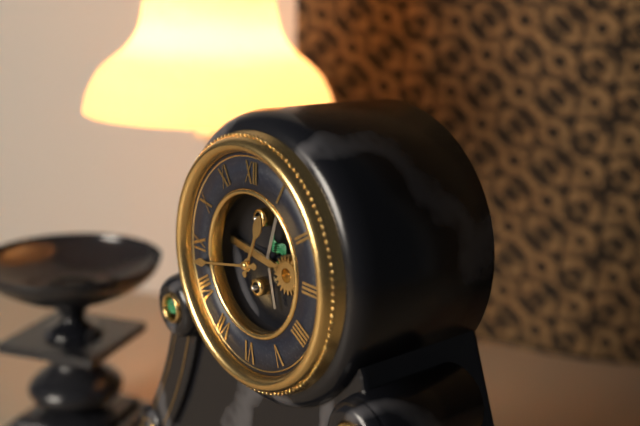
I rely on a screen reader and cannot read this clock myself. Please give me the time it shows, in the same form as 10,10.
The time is 12,43
